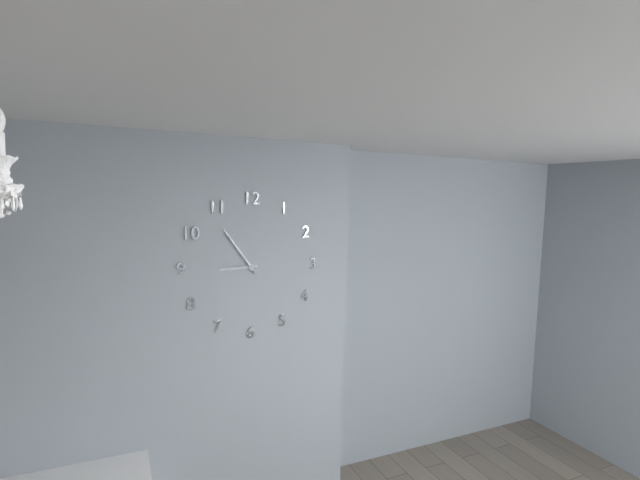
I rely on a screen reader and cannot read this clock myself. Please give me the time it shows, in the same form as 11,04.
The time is 8,54
